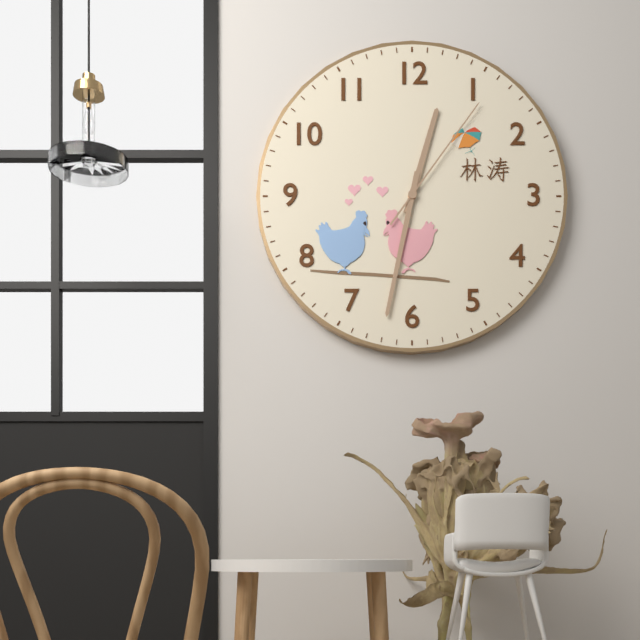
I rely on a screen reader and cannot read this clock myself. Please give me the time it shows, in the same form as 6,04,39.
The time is 12,32,06
